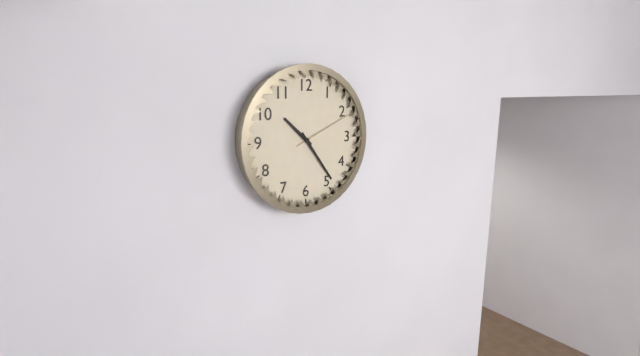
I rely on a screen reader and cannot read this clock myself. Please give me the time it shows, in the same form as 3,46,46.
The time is 10,24,11
